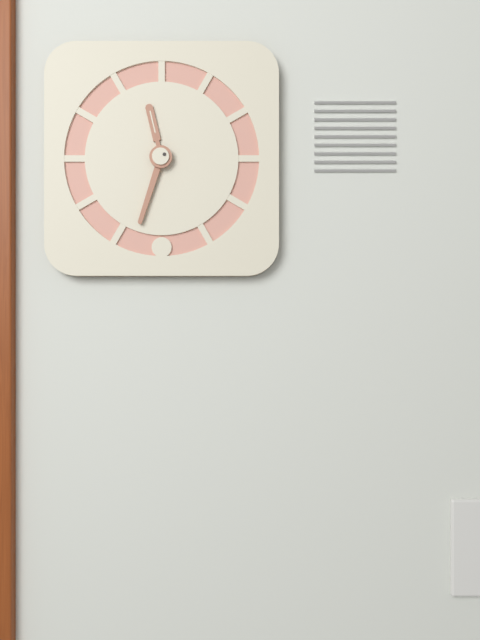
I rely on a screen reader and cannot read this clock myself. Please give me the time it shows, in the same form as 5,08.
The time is 11,33
